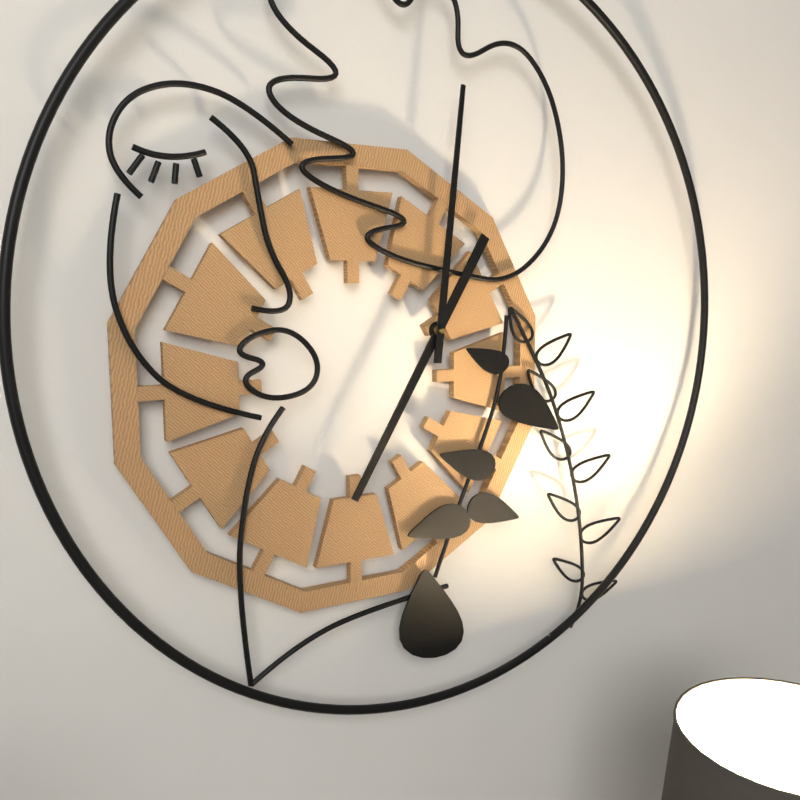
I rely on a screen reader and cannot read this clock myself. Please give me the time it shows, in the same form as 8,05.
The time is 7,01
